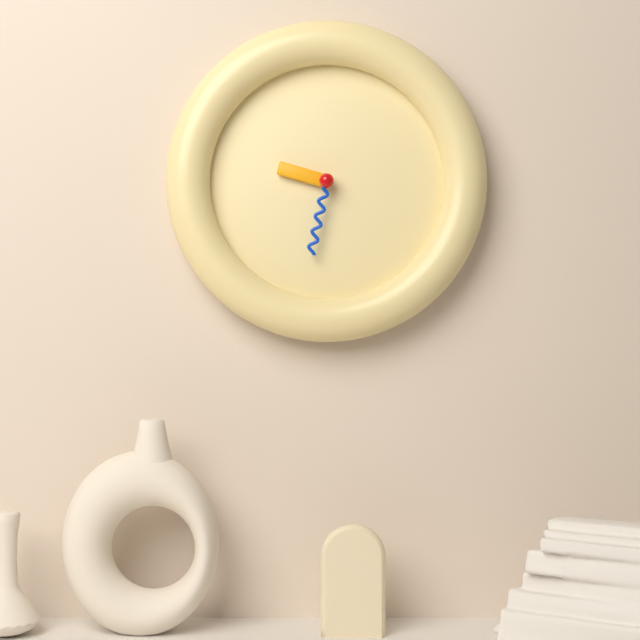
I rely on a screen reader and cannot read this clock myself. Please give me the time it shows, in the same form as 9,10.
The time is 9,32
